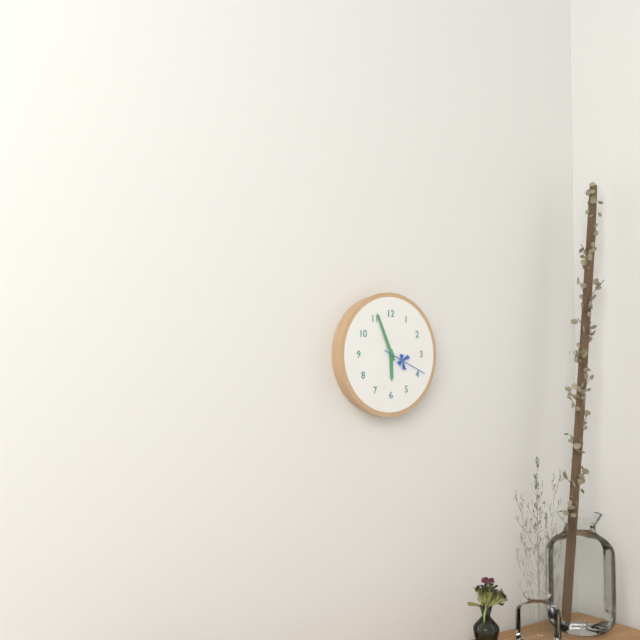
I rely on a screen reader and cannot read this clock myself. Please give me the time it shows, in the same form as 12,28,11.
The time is 5,56,19
